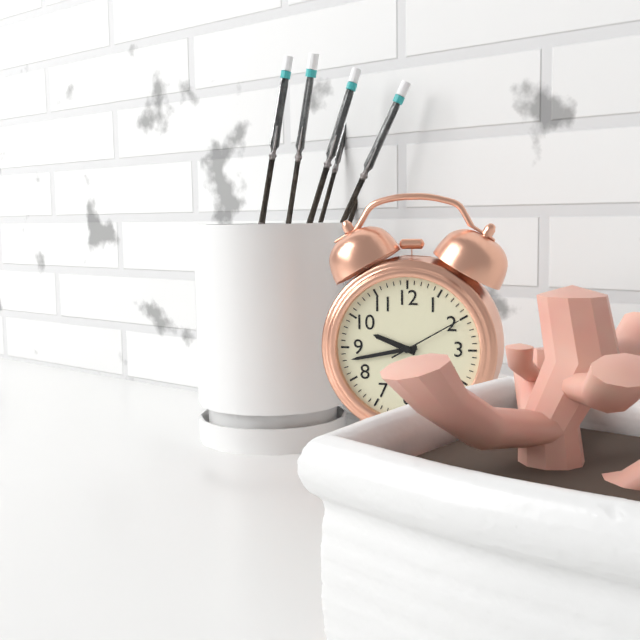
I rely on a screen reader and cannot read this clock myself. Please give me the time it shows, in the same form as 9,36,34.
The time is 9,43,10
